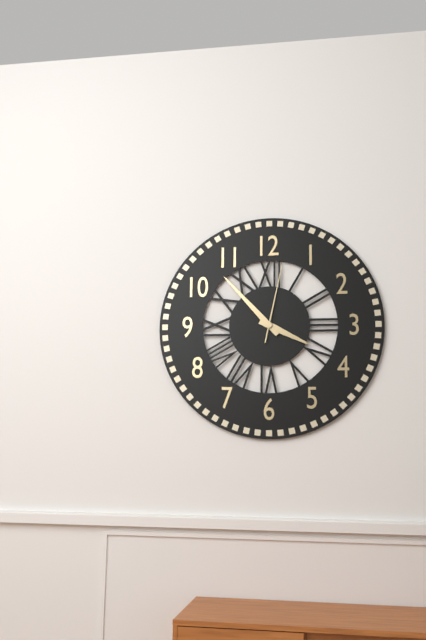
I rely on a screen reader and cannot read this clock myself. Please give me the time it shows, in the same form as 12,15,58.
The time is 3,53,02
